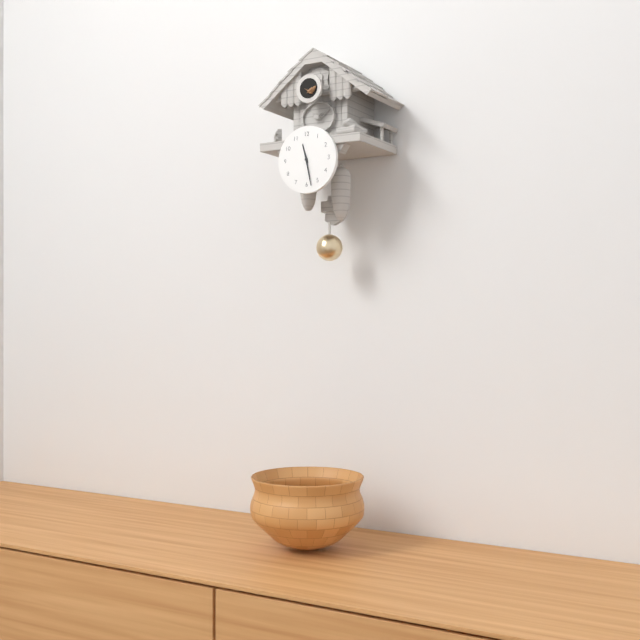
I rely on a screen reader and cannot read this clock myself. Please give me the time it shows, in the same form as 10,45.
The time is 11,28
